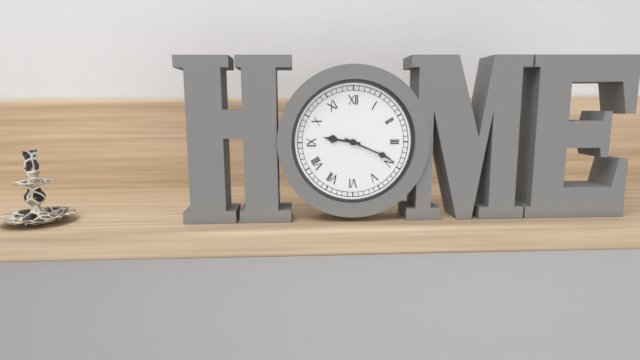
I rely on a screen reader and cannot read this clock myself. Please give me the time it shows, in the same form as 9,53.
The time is 9,19
